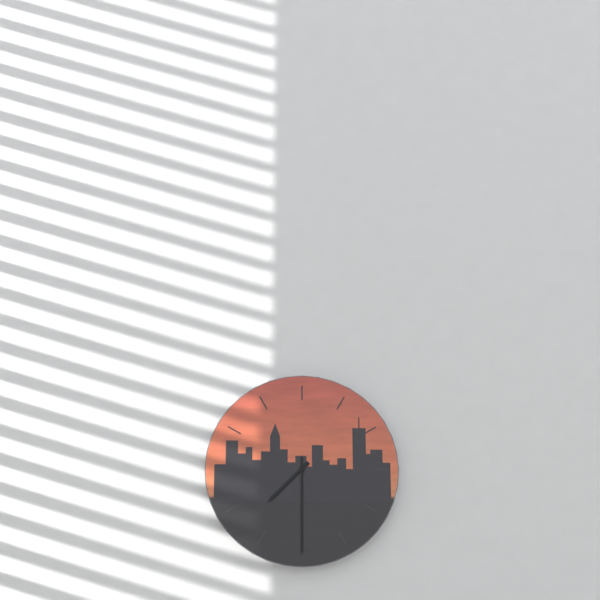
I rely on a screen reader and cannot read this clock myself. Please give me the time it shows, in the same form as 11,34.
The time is 7,30
